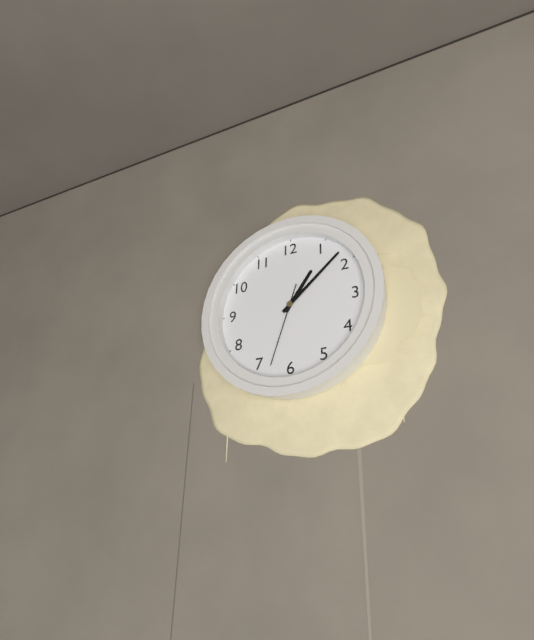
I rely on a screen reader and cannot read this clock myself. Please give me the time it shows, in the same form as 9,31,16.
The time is 1,08,33
